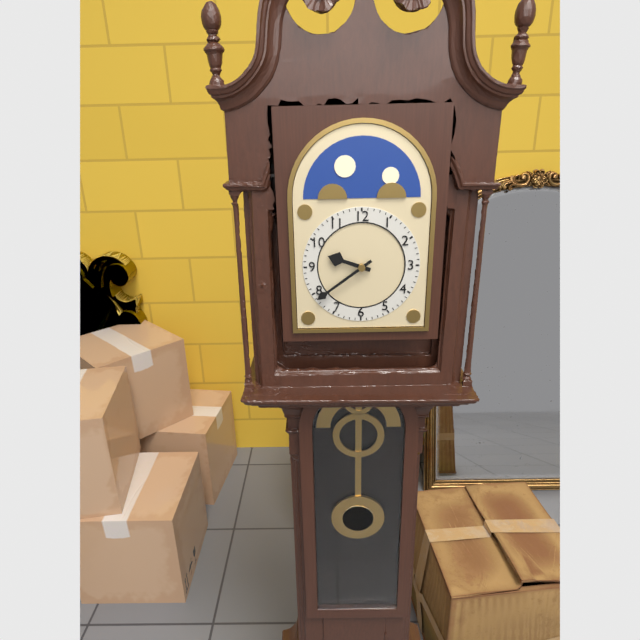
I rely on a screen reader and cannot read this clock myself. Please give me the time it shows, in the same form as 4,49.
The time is 9,39
